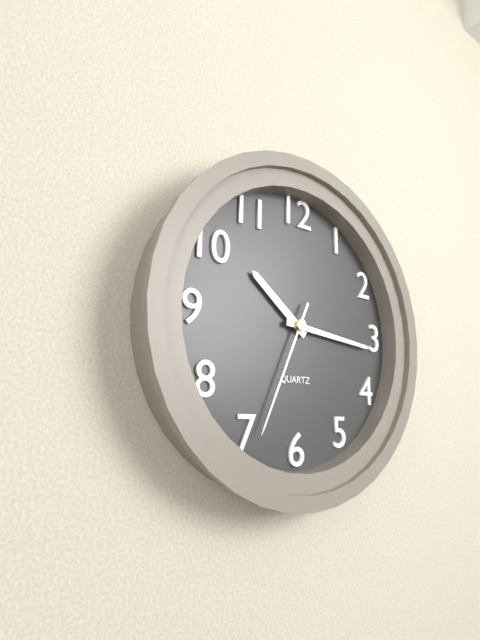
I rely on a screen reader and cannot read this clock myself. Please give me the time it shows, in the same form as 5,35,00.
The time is 10,16,34
